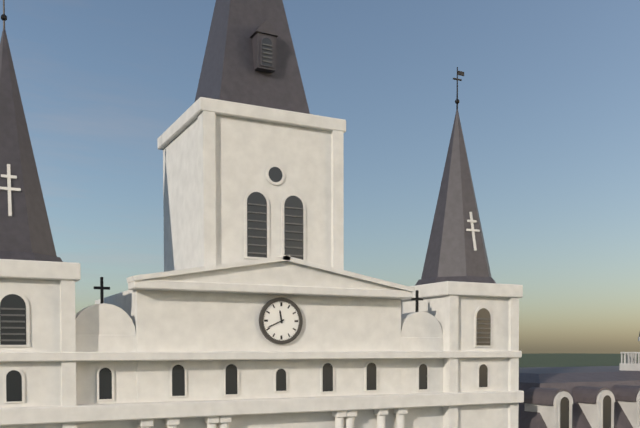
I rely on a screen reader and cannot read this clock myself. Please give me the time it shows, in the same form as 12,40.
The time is 11,41
